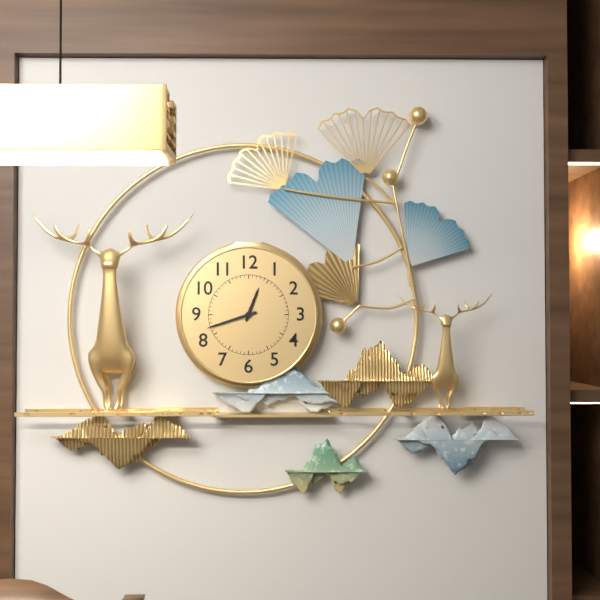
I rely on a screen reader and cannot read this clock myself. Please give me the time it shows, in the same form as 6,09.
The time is 12,42
